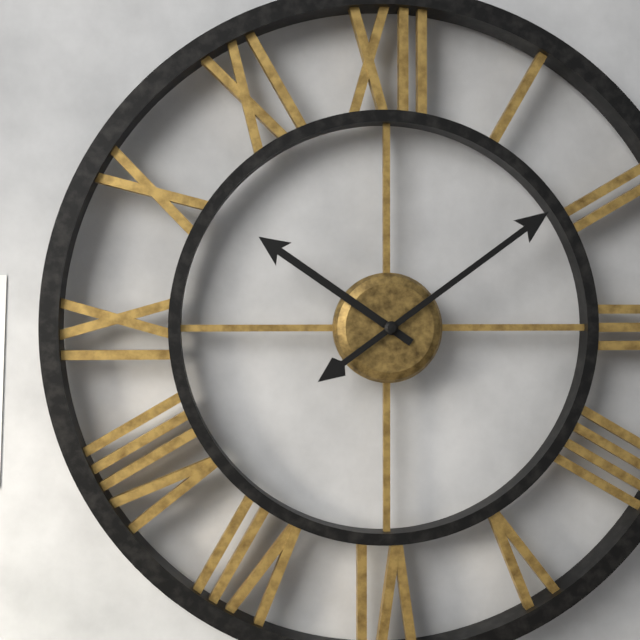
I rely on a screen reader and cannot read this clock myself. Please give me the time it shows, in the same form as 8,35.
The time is 10,09
